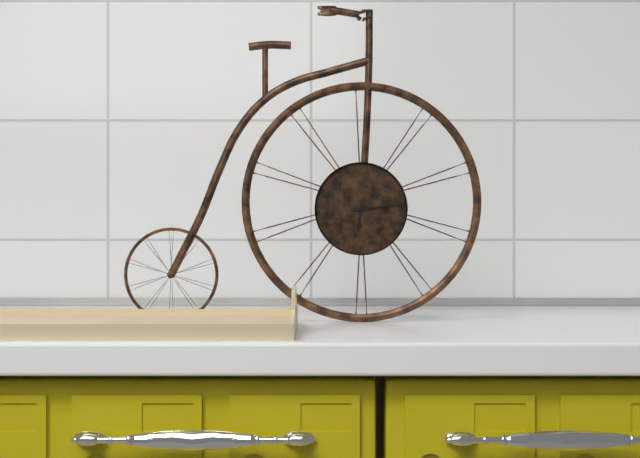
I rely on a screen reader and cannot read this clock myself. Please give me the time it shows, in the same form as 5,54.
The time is 6,14
